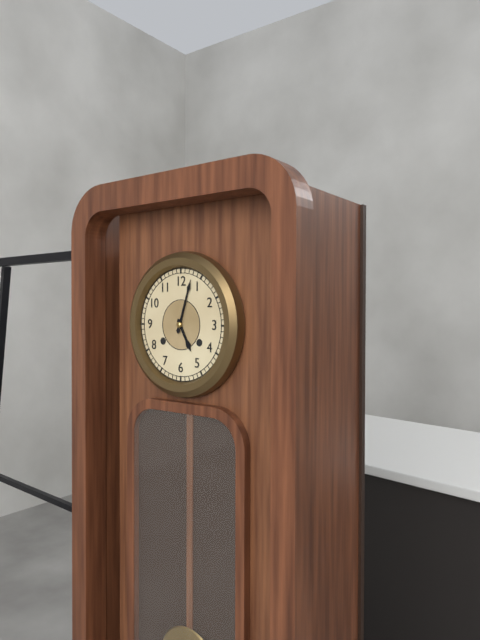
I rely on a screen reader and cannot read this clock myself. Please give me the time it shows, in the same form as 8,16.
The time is 5,03
